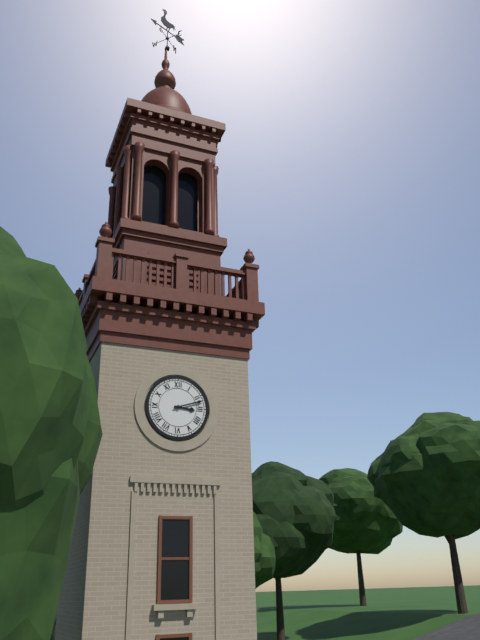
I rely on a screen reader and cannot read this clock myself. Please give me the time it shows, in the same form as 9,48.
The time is 3,12
